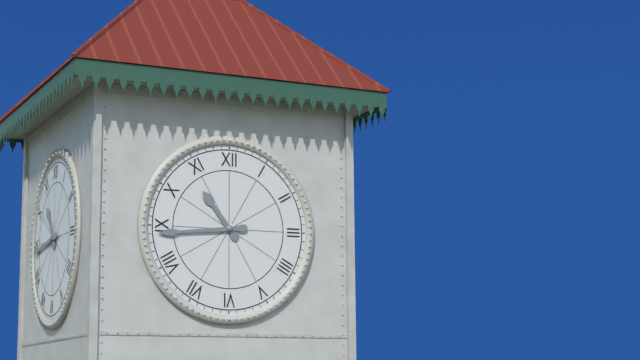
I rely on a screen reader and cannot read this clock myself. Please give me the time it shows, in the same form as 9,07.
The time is 10,44
